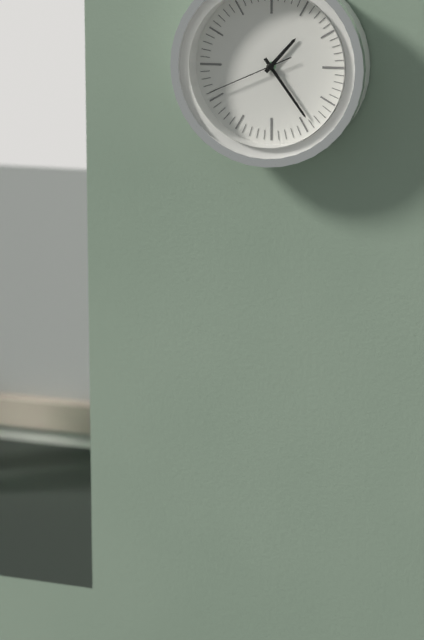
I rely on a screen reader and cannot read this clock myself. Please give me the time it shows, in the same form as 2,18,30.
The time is 1,24,41
